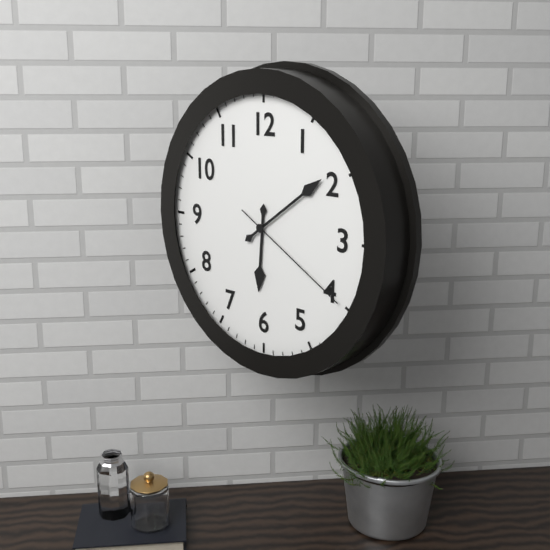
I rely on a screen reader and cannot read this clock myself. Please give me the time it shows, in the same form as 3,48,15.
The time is 6,09,20
